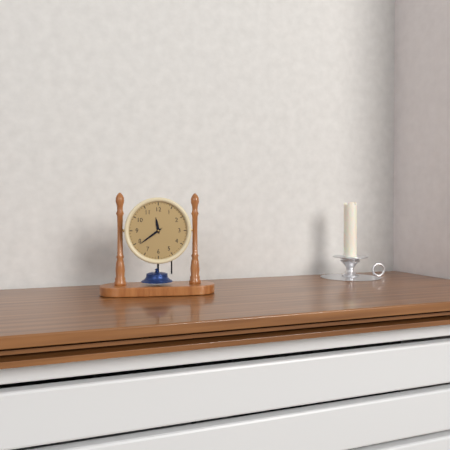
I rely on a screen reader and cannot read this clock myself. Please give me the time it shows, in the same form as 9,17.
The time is 11,39
